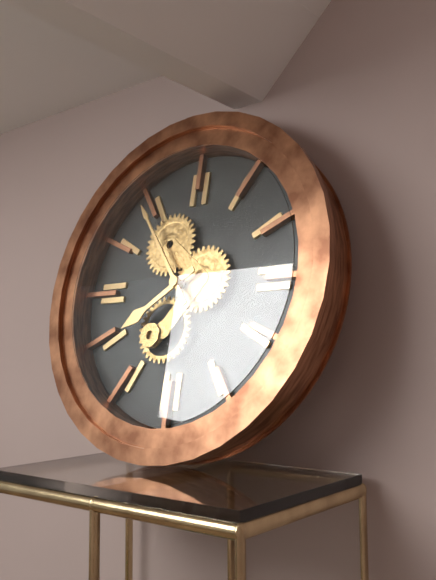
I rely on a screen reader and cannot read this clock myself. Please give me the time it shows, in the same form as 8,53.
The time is 7,54
